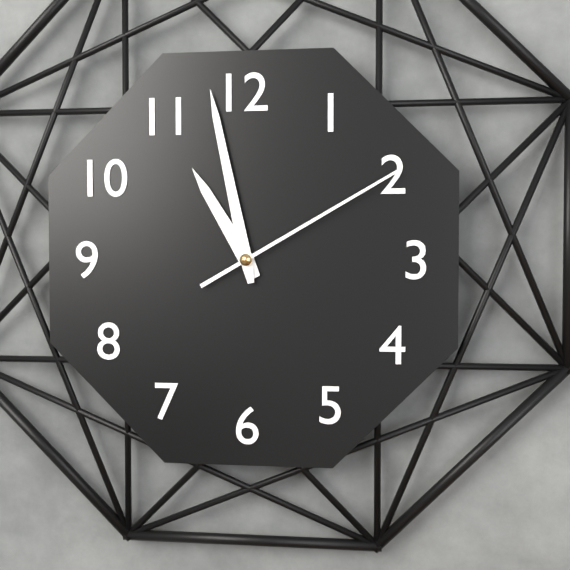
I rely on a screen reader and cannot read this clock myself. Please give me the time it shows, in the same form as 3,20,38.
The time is 10,58,10
